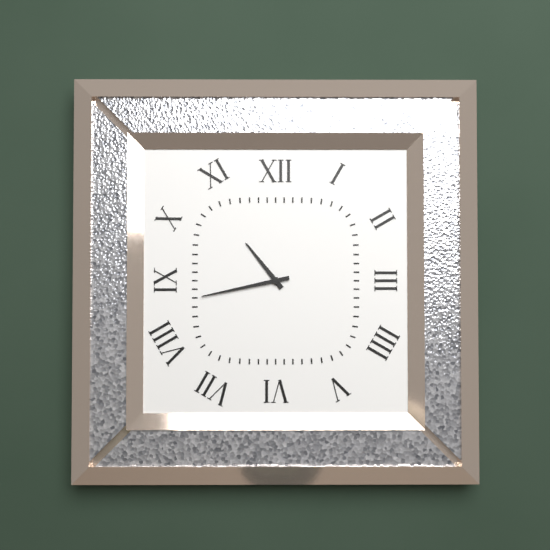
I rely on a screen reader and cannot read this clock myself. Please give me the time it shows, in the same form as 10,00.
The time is 10,43
